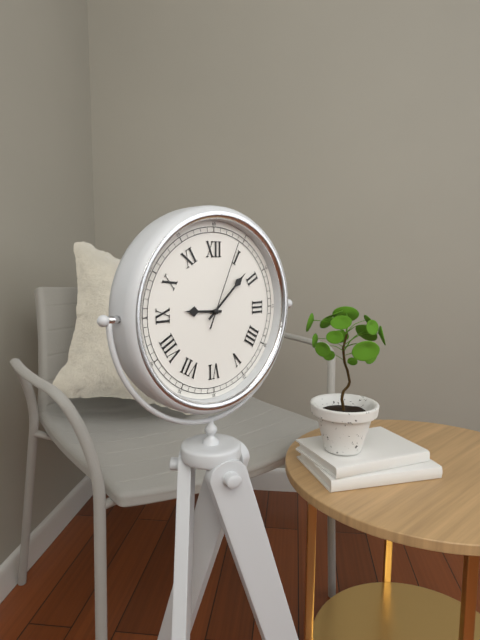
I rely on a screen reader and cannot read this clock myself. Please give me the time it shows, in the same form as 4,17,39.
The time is 9,08,04
